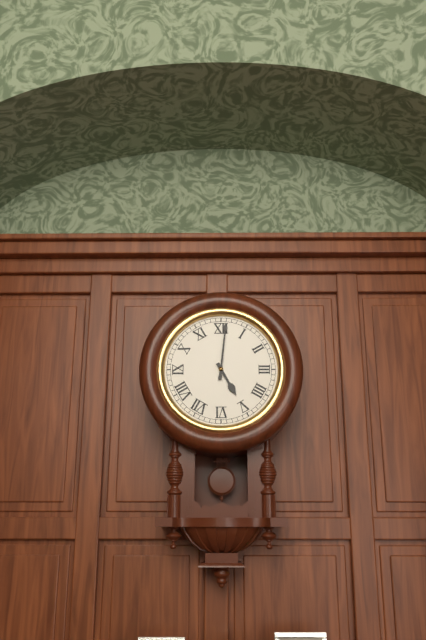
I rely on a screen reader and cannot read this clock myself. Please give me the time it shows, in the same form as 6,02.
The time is 5,01
